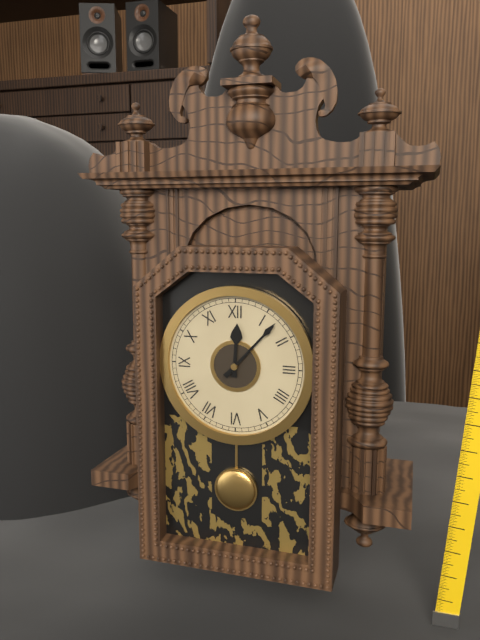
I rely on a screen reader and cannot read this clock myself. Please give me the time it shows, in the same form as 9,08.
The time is 12,07
